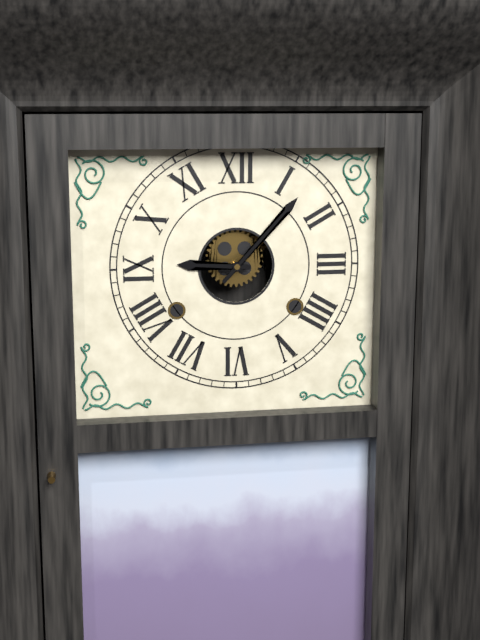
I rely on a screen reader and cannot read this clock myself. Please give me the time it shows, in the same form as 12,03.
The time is 9,07
